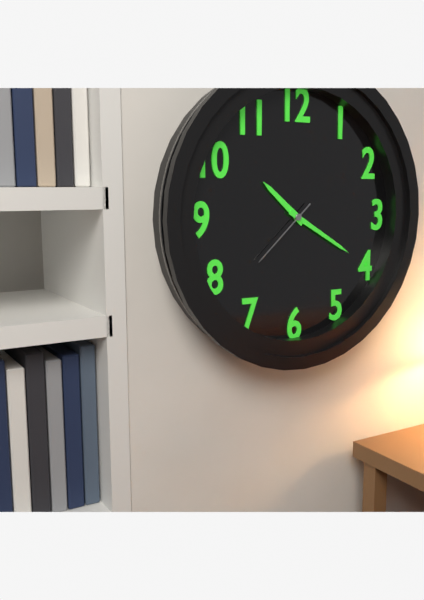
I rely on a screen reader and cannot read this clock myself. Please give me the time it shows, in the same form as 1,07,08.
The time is 10,20,38
